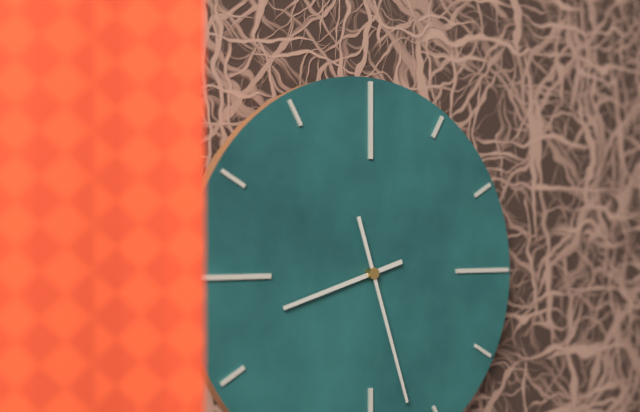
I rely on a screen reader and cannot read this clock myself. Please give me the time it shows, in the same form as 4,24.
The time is 8,27
